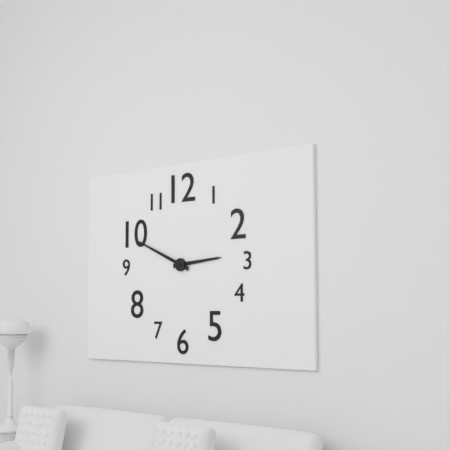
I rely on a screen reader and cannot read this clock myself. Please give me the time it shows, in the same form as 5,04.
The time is 2,49
